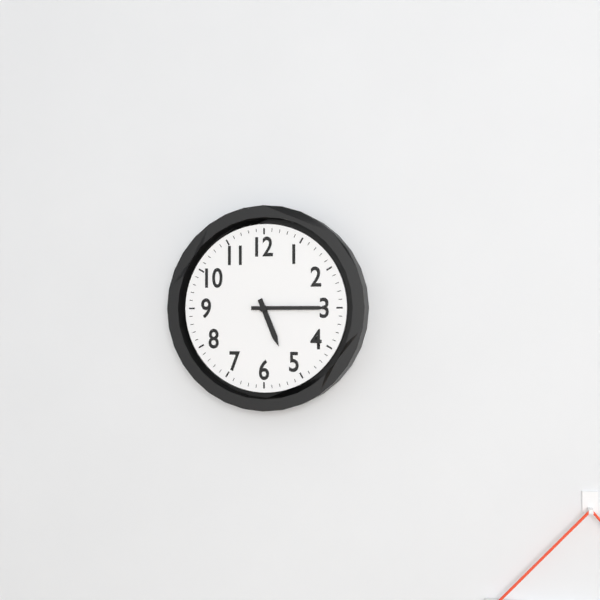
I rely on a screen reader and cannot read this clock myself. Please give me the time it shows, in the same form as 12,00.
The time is 5,15
